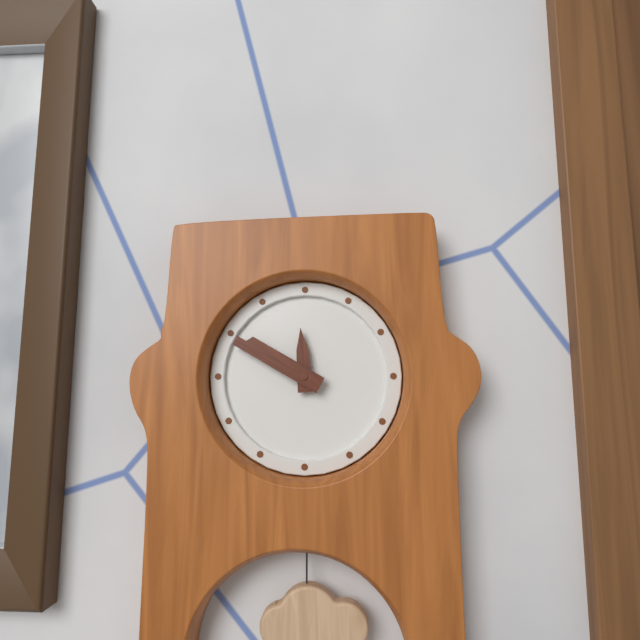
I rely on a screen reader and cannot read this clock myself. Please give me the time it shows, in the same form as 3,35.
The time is 11,50
